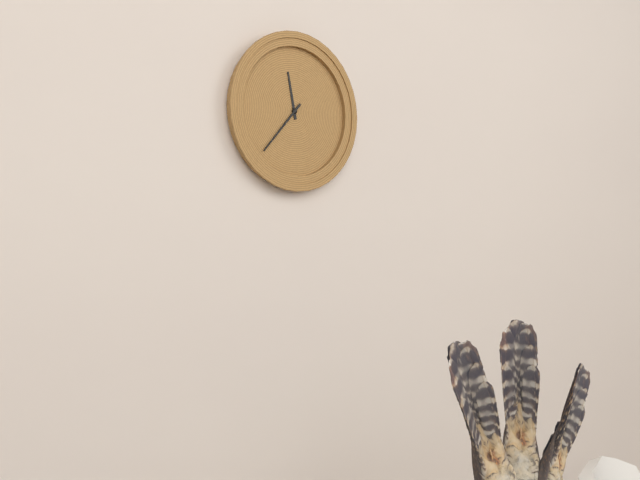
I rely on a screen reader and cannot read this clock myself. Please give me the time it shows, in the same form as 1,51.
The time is 11,37
